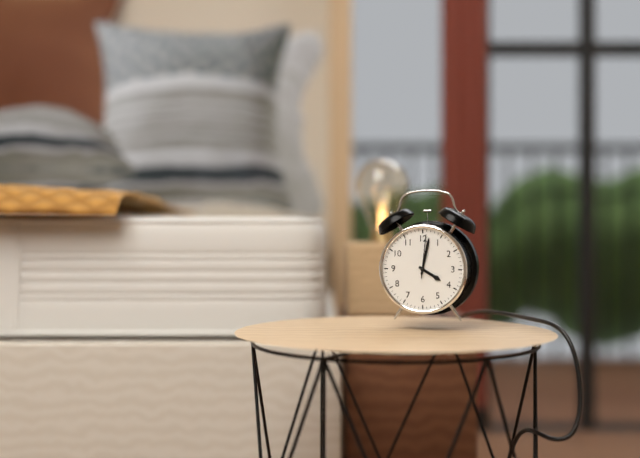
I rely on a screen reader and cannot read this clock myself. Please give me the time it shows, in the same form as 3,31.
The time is 4,02
